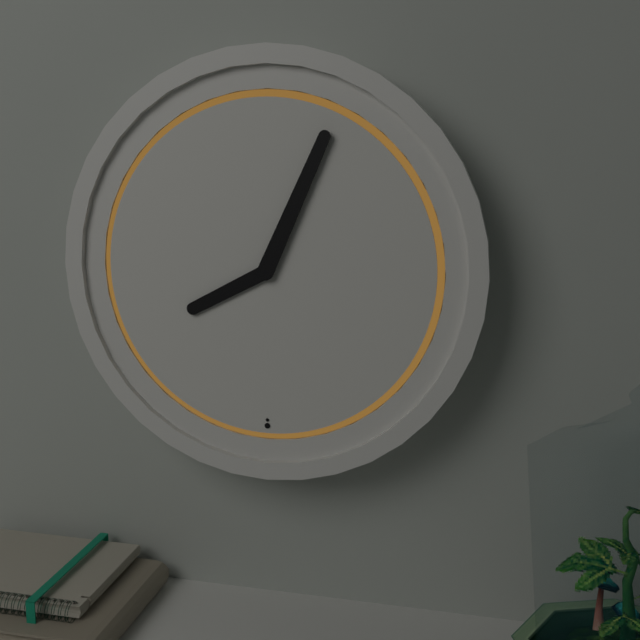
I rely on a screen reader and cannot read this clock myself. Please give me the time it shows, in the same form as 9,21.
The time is 8,04
